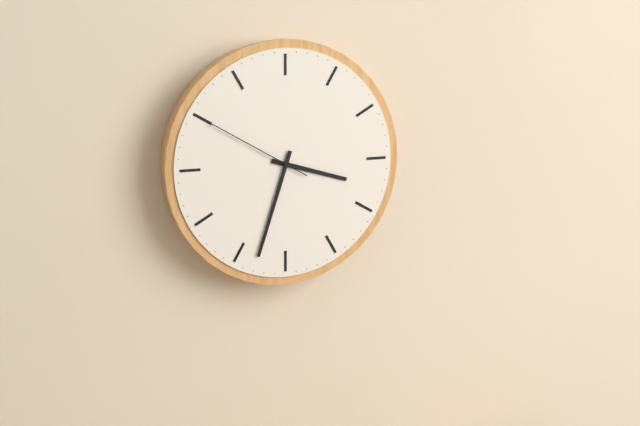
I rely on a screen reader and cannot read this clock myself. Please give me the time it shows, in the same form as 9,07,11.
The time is 3,33,50
